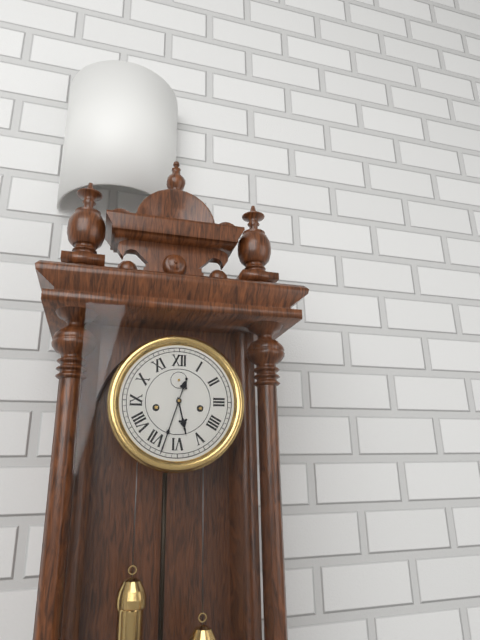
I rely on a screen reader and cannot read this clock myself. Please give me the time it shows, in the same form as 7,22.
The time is 5,33
